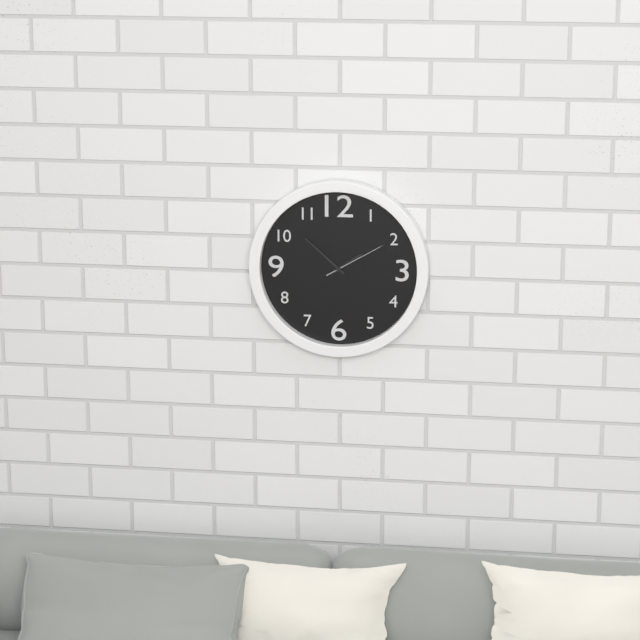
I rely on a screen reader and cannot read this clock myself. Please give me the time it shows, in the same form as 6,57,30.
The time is 1,52,10
